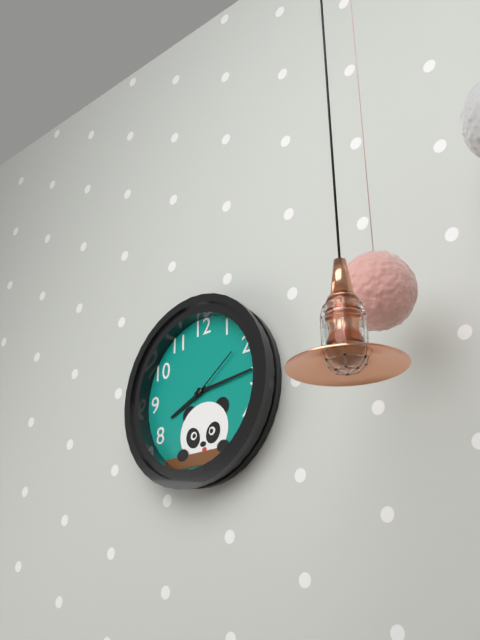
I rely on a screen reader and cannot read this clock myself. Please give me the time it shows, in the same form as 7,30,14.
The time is 8,14,09
